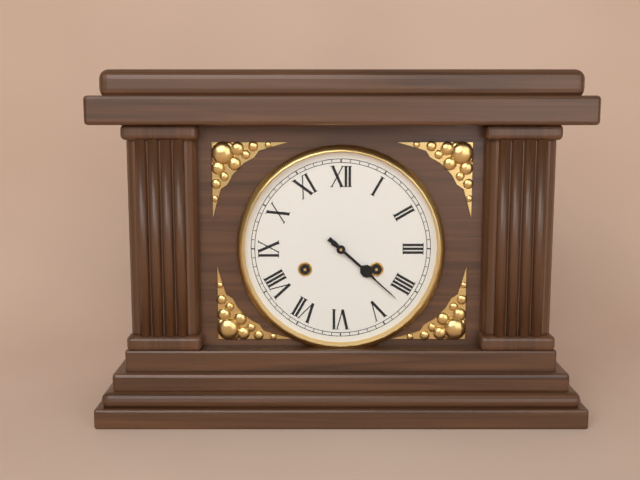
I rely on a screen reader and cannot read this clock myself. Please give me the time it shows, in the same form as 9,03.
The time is 4,22
